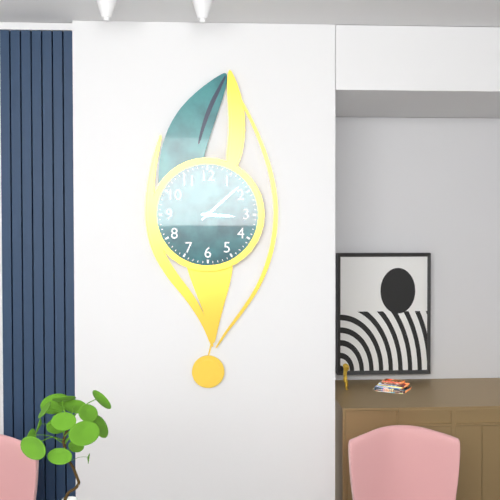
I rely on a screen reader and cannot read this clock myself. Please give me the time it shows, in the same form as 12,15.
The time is 3,08
